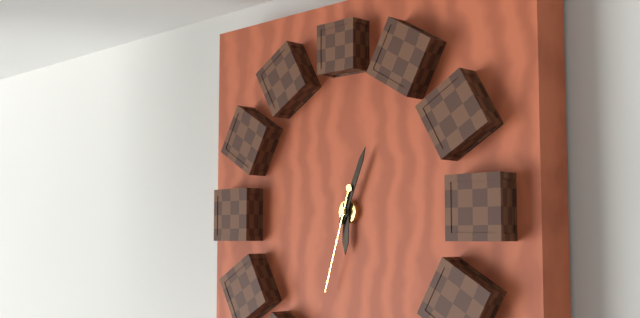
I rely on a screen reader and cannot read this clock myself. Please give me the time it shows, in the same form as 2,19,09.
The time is 6,04,33
